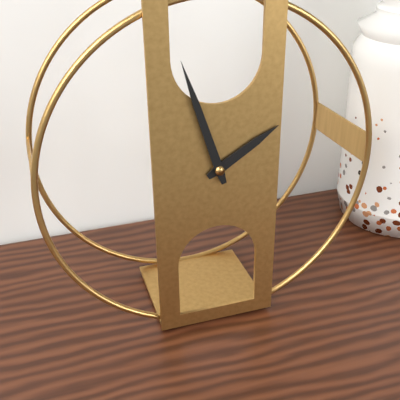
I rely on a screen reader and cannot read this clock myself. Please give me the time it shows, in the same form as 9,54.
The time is 1,57
